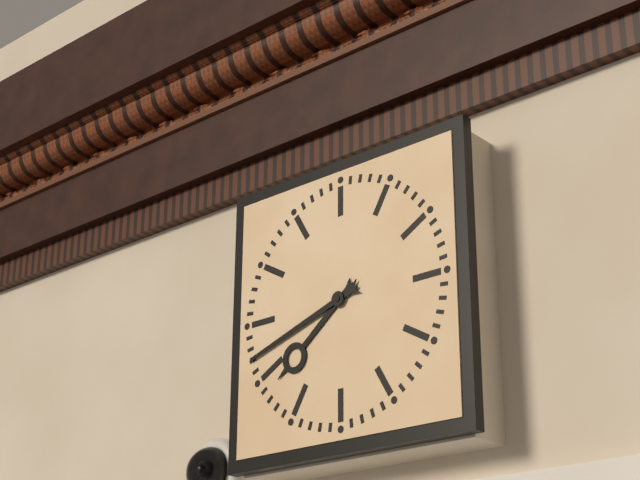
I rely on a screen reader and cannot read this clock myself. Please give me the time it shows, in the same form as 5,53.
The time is 7,42
